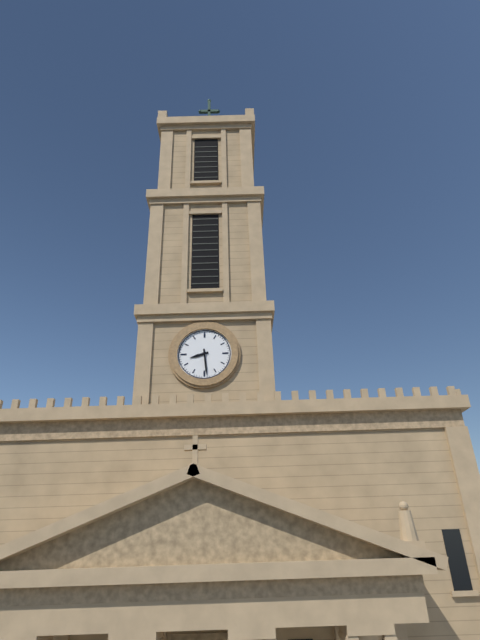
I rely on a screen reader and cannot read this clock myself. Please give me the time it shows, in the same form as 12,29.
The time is 8,29
